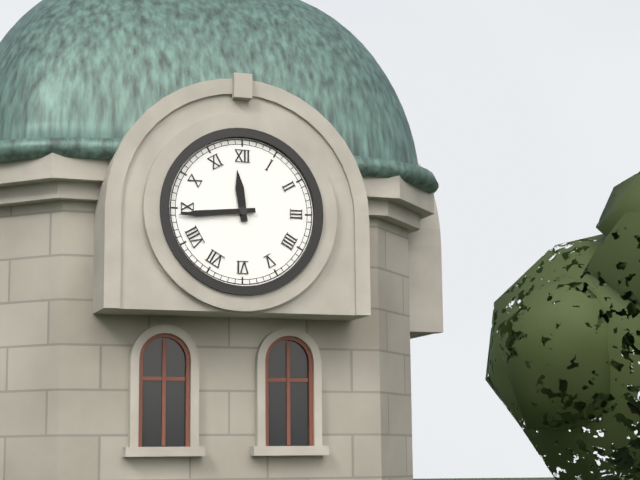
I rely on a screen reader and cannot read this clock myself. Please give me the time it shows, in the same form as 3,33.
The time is 11,44
